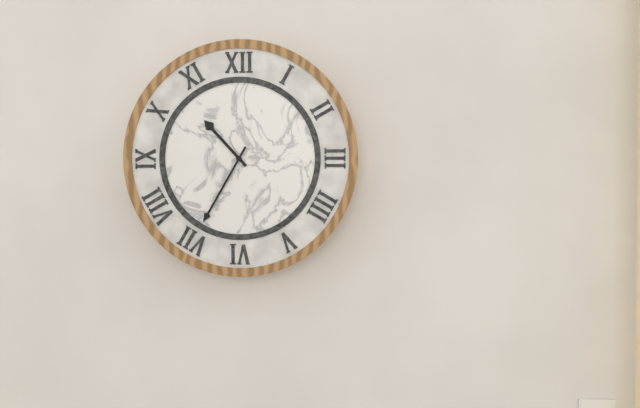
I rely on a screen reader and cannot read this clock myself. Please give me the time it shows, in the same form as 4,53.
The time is 10,35
